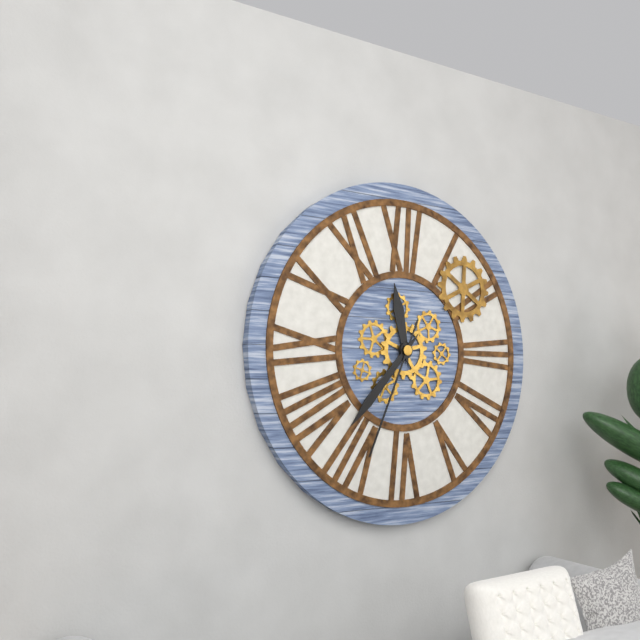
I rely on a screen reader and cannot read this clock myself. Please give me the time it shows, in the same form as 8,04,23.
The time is 11,37,34
